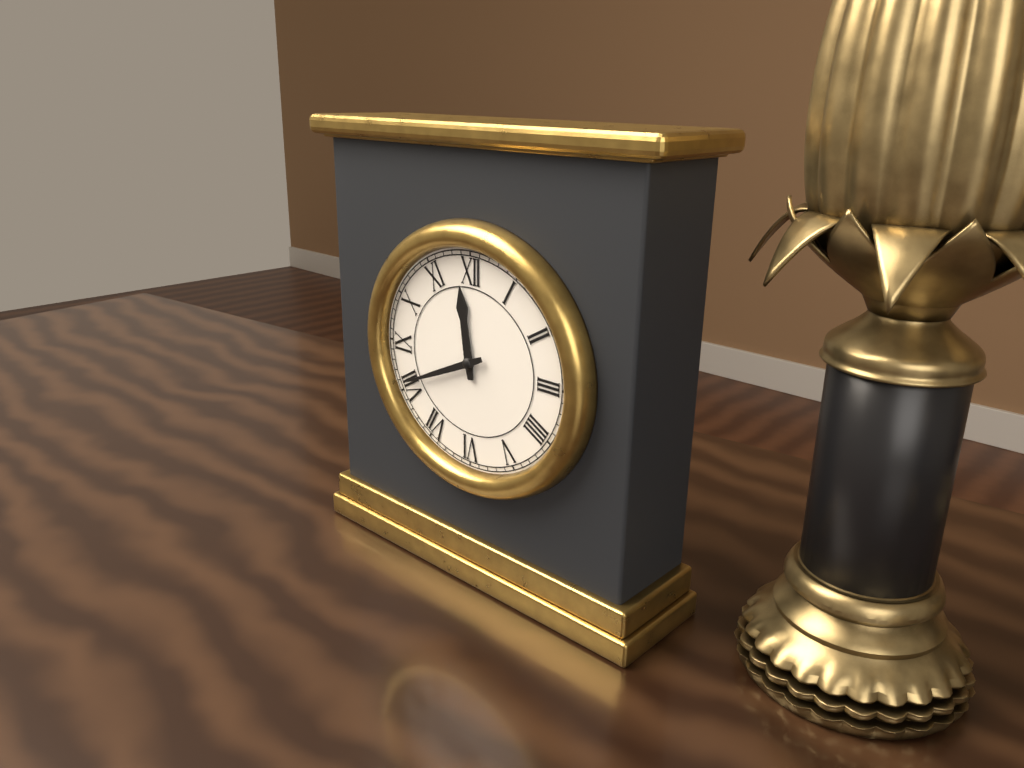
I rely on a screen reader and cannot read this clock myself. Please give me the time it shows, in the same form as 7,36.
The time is 11,41
